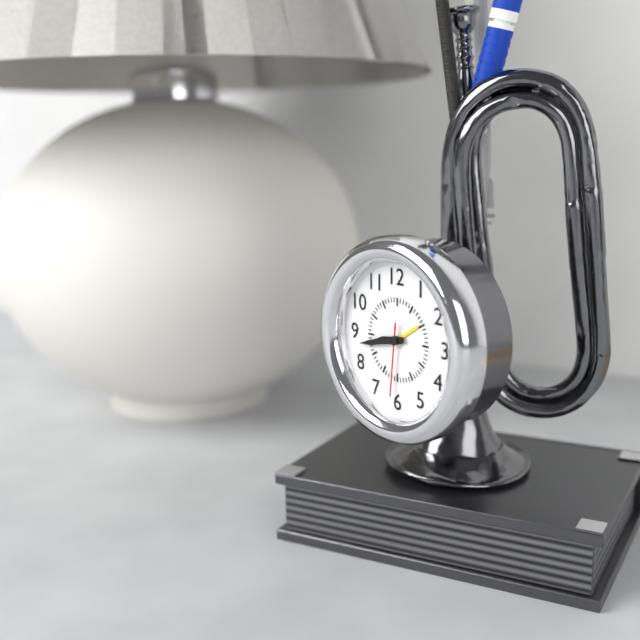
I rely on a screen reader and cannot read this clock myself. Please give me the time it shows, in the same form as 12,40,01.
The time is 8,43,31
